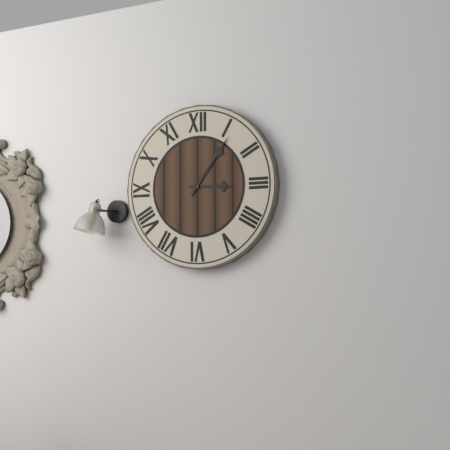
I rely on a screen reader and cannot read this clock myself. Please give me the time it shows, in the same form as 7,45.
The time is 3,06
